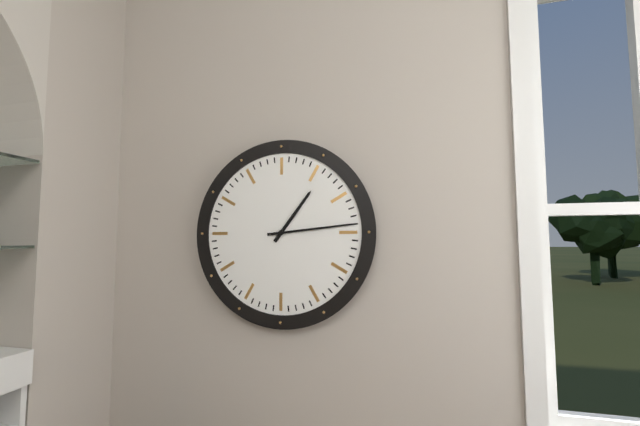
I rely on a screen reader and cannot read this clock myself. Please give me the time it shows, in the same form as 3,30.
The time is 1,14
